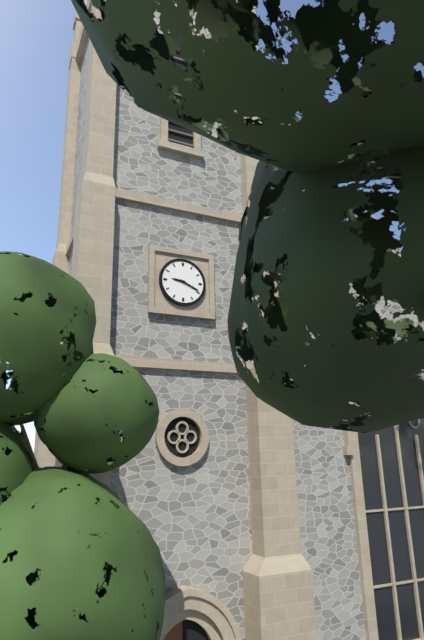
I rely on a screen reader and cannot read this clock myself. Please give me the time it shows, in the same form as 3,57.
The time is 9,19
